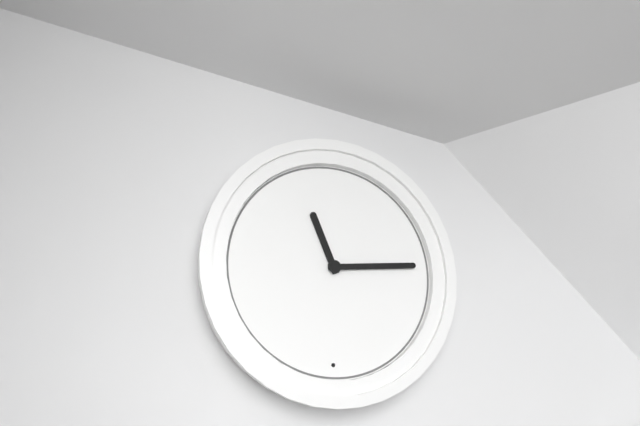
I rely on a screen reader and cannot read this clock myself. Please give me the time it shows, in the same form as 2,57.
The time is 11,14
